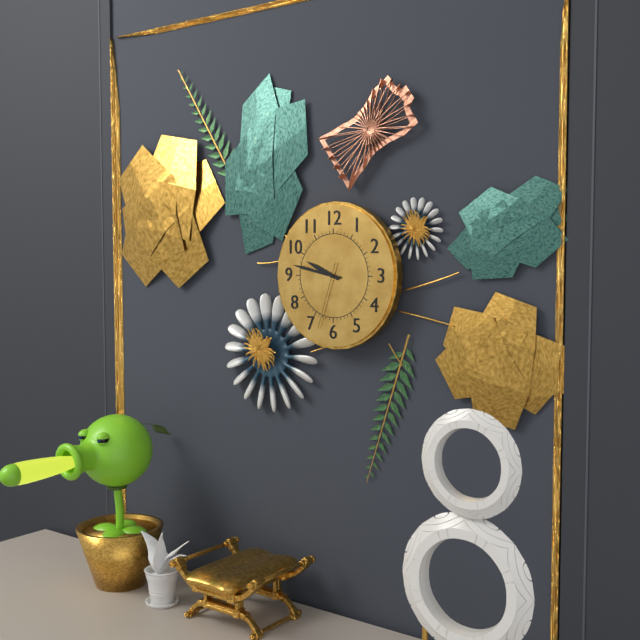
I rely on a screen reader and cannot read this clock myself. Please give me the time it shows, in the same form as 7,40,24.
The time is 9,47,33
